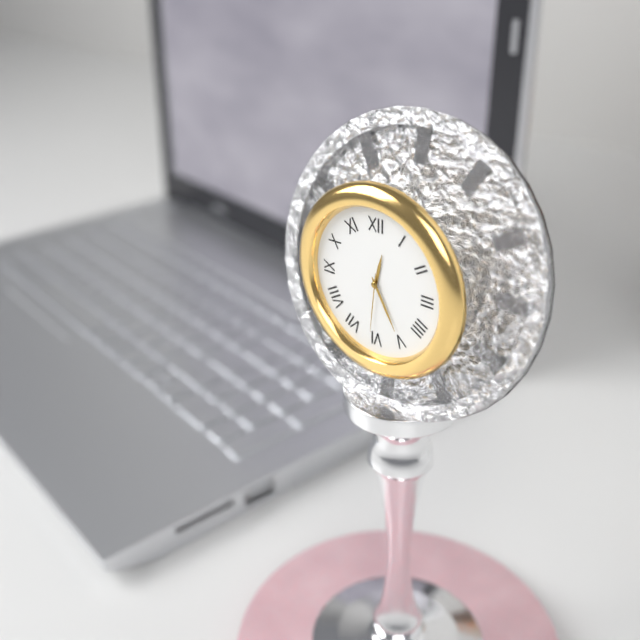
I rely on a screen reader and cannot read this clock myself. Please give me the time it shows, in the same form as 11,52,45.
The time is 12,25,31
